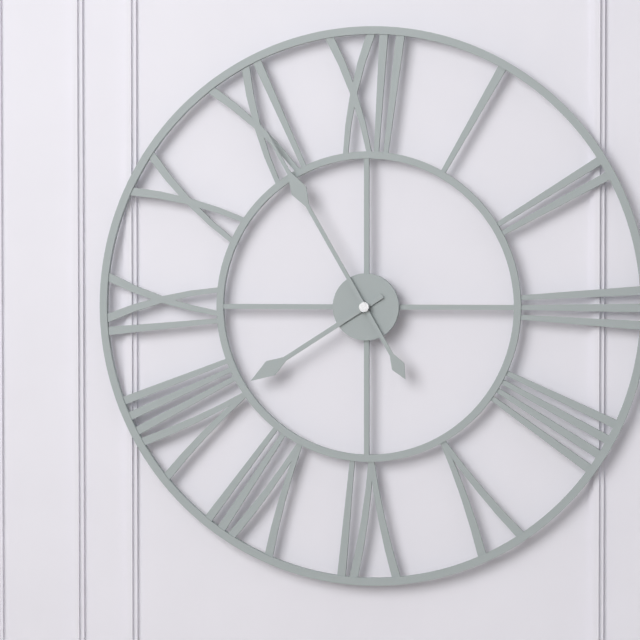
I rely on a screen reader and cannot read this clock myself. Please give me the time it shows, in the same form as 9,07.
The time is 7,55
